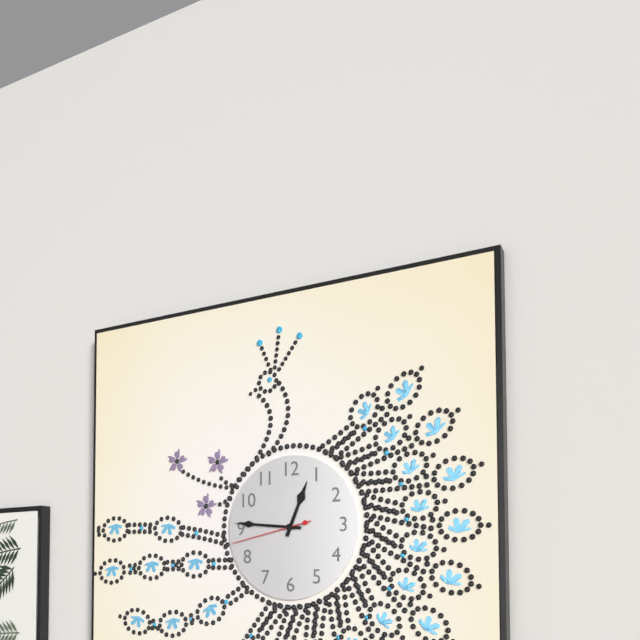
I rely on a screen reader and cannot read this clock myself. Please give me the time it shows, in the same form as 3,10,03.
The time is 12,46,43
